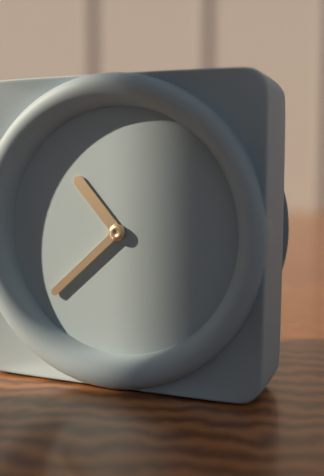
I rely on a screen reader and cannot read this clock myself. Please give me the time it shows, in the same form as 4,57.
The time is 10,38
